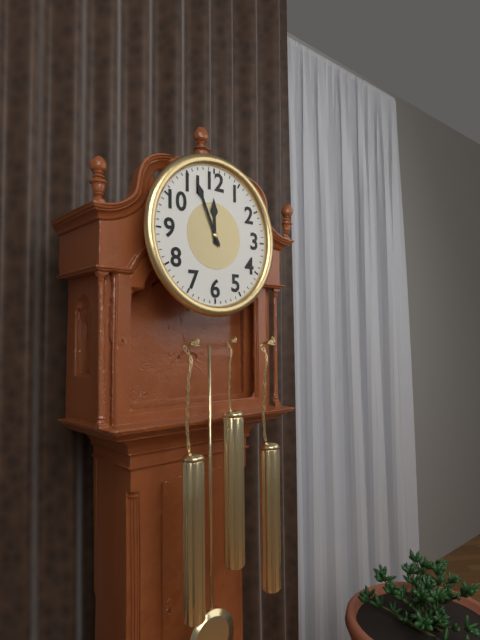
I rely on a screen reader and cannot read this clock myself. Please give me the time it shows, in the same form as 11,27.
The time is 11,56
